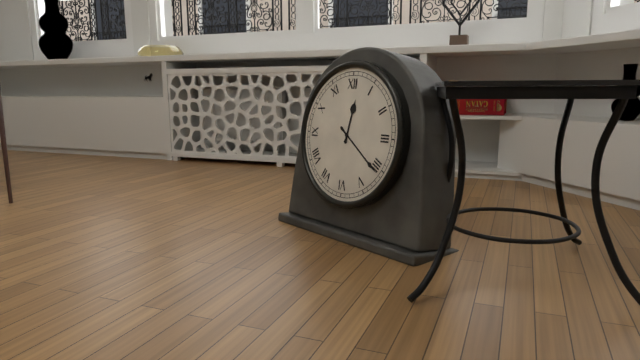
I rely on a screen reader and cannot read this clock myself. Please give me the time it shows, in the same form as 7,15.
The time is 12,21
